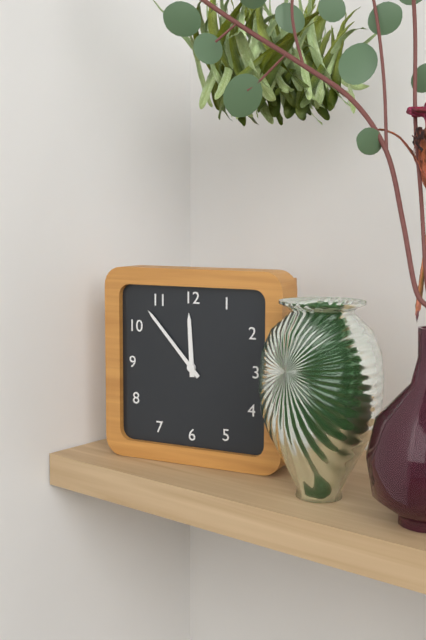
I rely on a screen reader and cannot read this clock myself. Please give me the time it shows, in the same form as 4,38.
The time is 11,53
